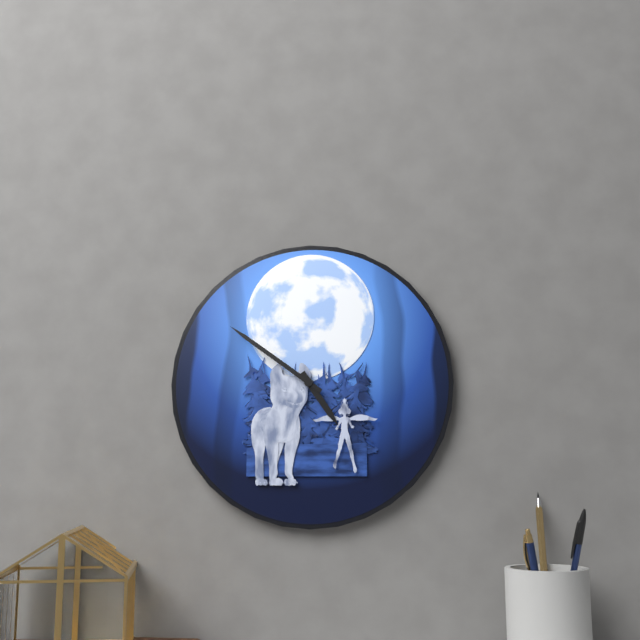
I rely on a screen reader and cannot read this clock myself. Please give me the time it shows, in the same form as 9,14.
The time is 4,51
